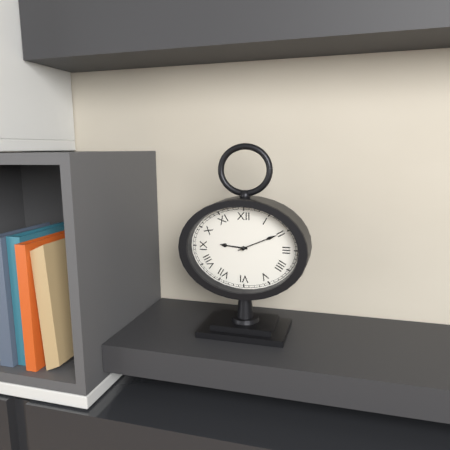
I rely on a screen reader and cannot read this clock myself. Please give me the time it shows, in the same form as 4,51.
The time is 9,11
